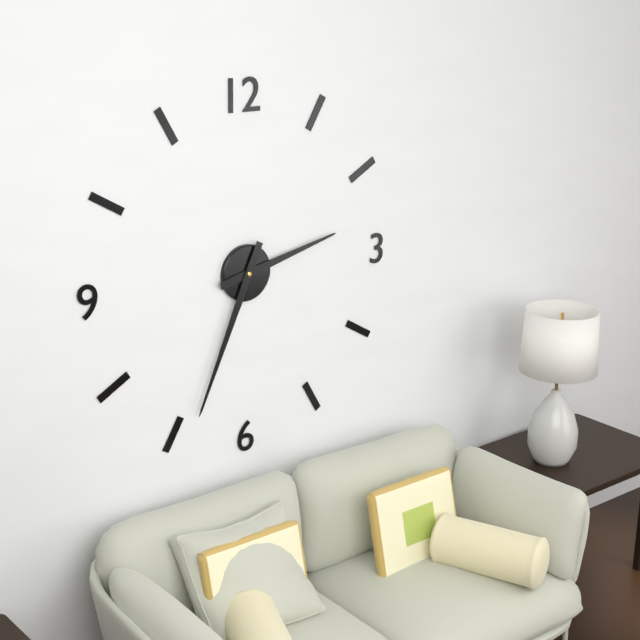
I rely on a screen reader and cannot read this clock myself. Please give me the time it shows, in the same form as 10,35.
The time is 2,34
